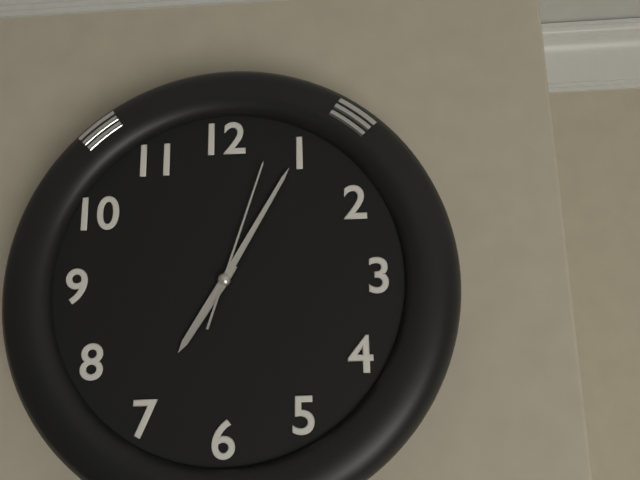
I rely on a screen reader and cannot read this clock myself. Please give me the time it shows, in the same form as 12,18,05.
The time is 7,05,03
